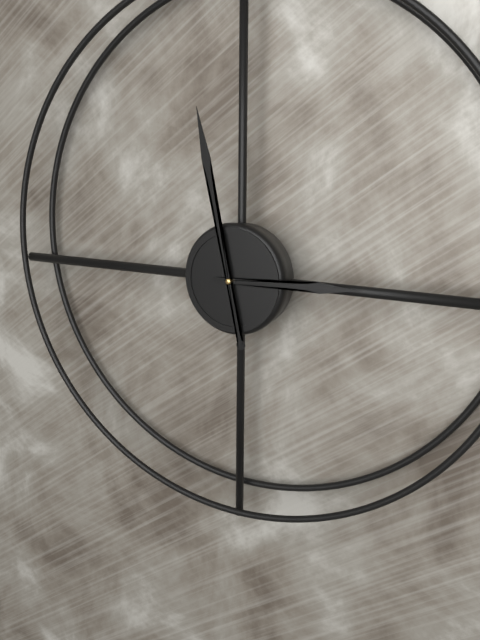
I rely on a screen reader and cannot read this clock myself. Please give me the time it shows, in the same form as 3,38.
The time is 2,58
